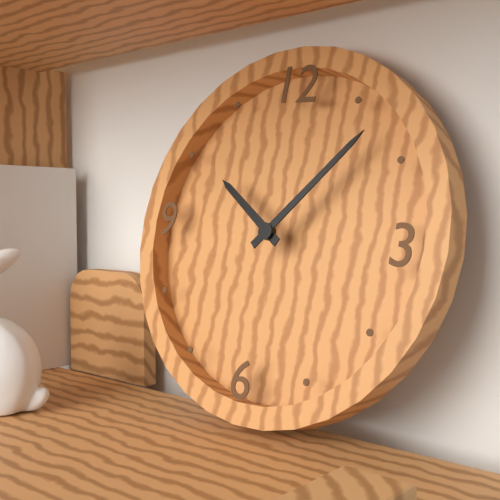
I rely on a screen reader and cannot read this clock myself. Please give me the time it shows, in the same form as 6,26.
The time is 10,07
